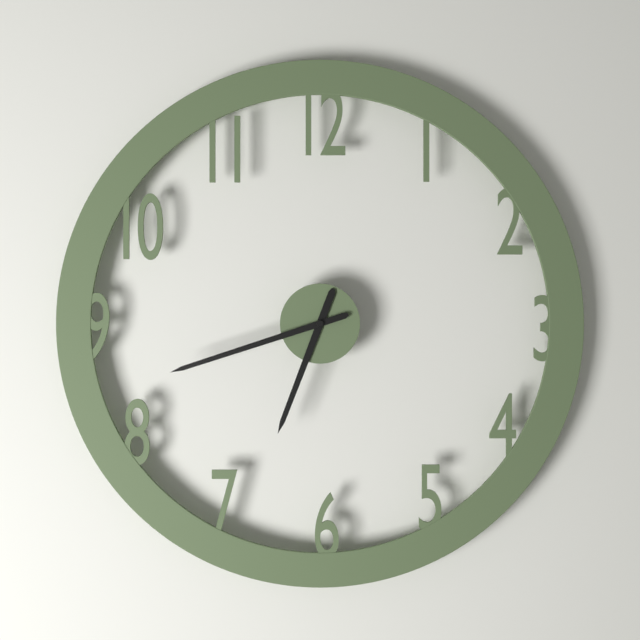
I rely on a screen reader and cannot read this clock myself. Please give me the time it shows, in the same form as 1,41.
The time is 6,42
